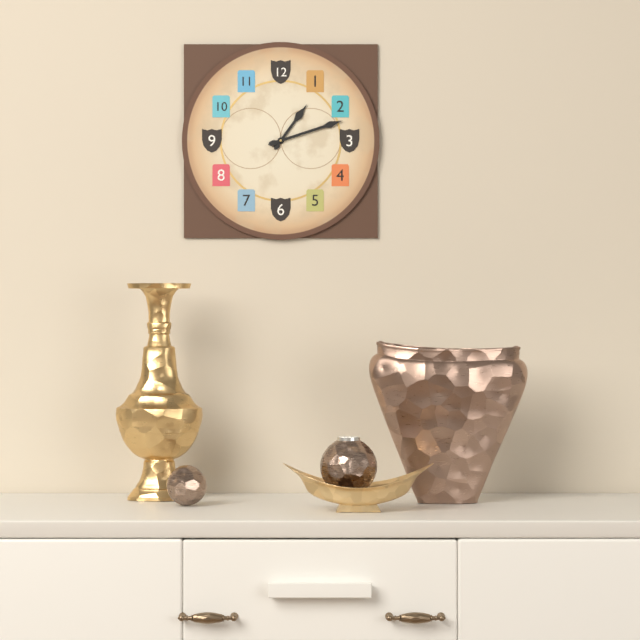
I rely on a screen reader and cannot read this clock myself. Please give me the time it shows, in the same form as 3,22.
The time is 1,12
